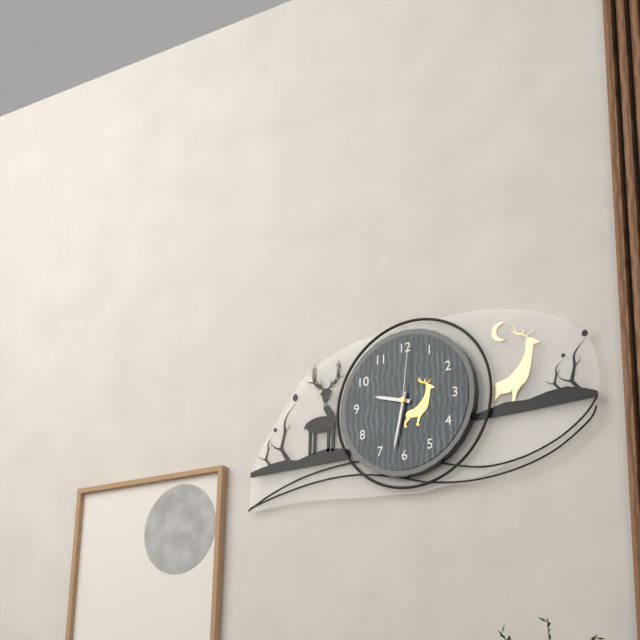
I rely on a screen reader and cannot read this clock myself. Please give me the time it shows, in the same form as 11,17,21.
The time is 9,32,01
